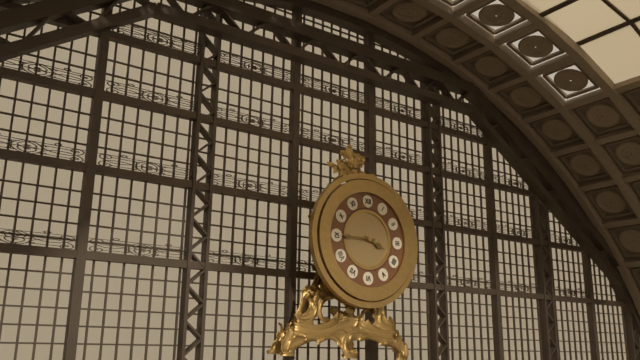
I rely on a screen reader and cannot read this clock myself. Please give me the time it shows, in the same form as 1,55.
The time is 3,45
